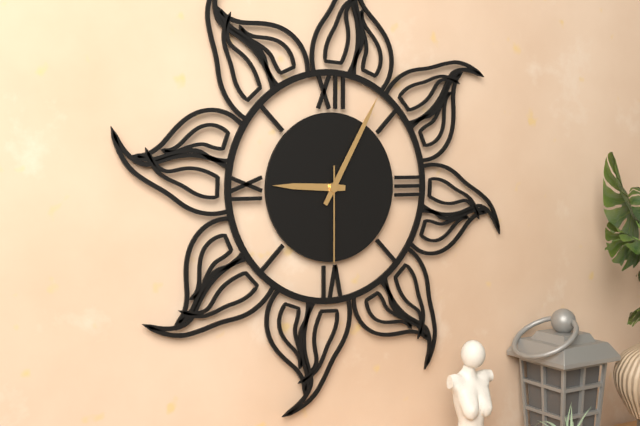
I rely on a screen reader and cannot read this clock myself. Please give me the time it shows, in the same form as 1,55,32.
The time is 9,05,30
